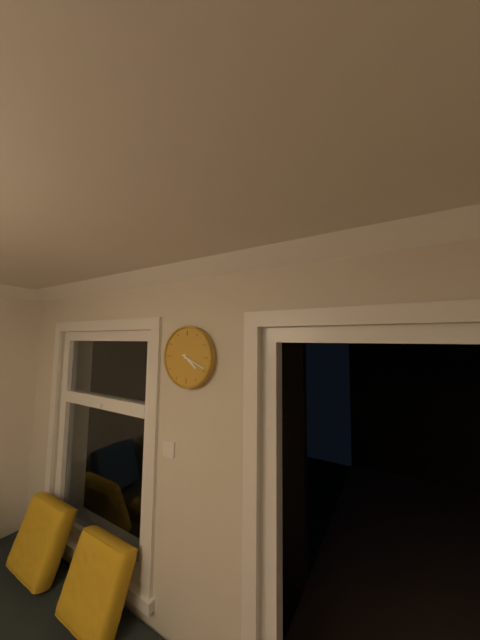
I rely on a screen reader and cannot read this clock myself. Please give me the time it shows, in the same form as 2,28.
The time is 4,19
